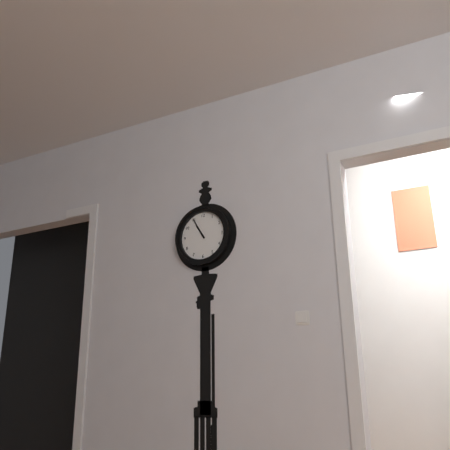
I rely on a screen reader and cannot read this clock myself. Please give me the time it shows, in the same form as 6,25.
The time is 10,55
